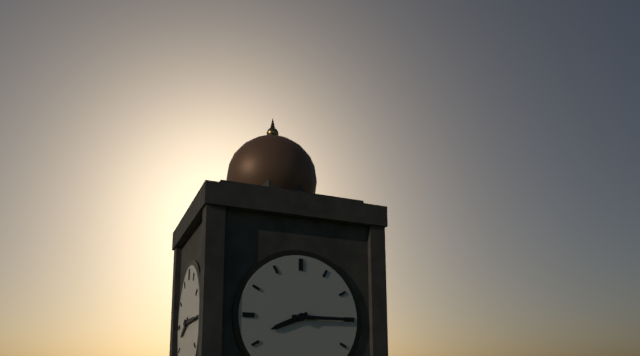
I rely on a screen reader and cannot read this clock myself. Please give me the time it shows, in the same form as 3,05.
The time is 8,15
